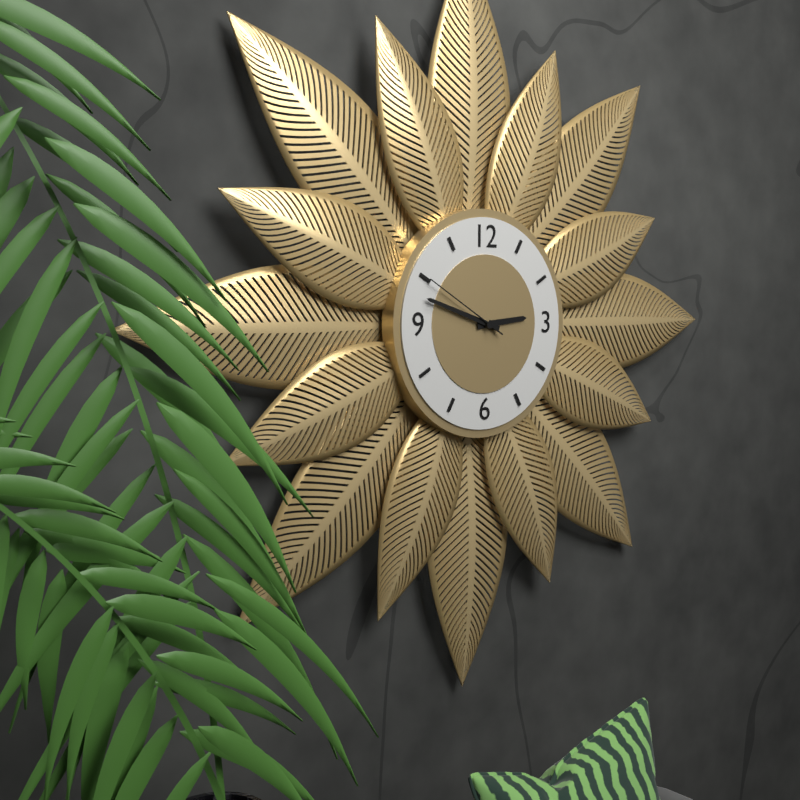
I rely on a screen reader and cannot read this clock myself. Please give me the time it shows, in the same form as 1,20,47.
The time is 2,48,50
